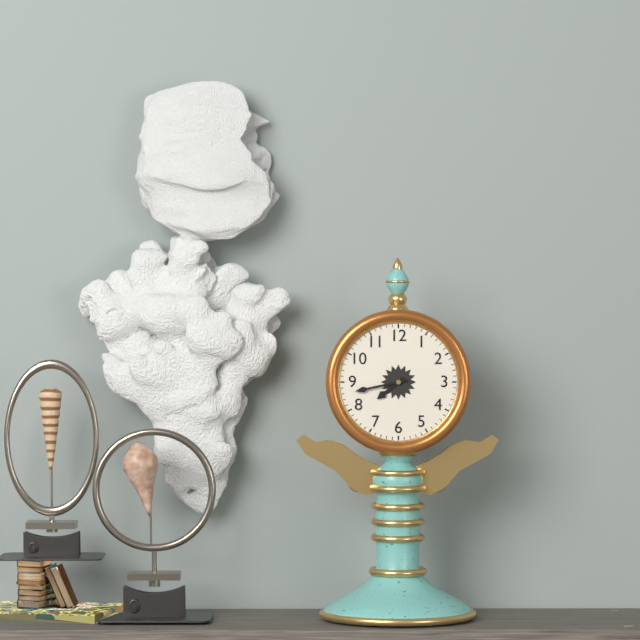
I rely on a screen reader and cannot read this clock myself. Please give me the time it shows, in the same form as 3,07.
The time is 7,43
